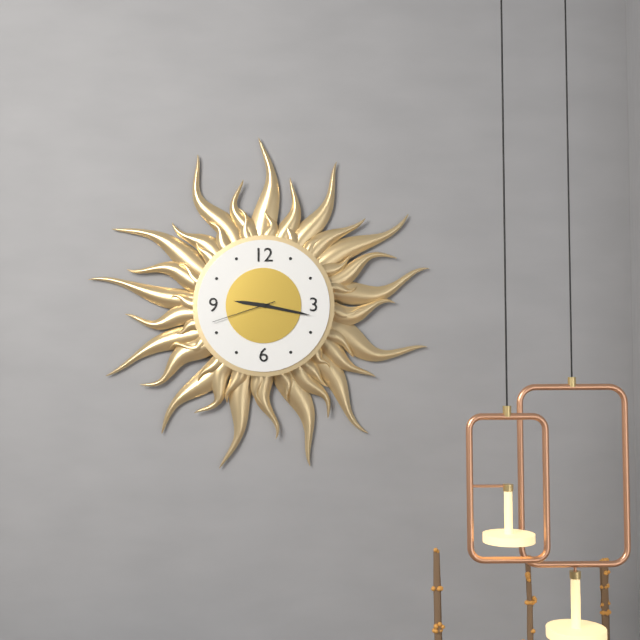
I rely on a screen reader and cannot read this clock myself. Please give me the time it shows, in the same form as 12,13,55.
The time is 9,17,42
